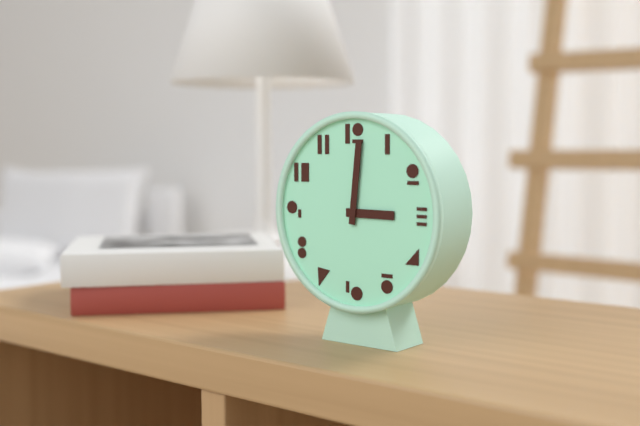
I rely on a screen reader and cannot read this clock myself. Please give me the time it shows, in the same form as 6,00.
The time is 3,01
